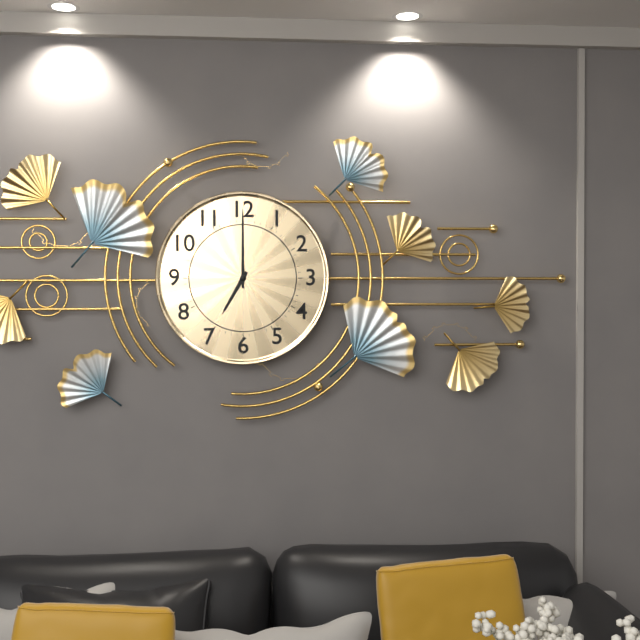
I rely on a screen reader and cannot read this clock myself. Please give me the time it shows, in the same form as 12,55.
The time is 7,00
